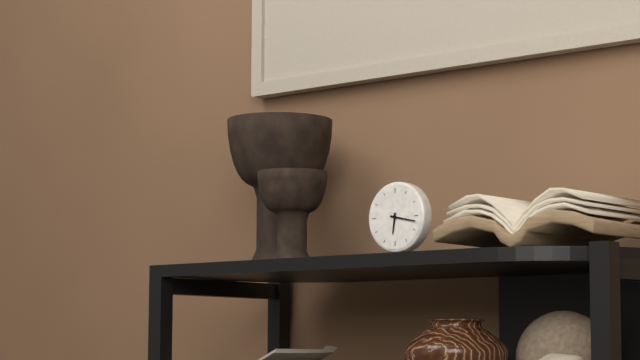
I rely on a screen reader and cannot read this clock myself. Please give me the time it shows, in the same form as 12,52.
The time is 6,17
